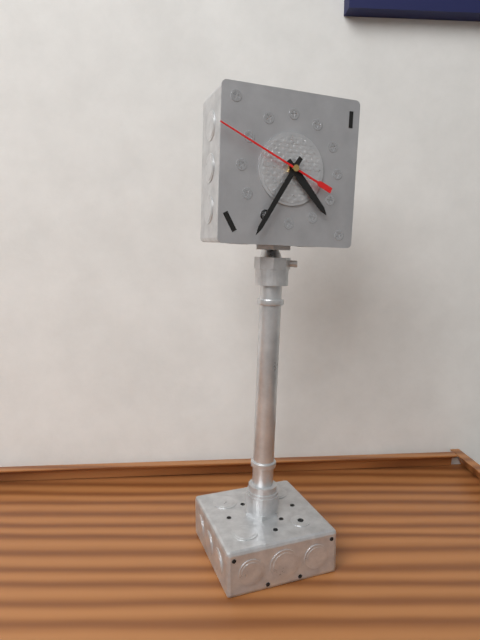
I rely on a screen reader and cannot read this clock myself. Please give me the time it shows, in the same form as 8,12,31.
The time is 4,35,49
